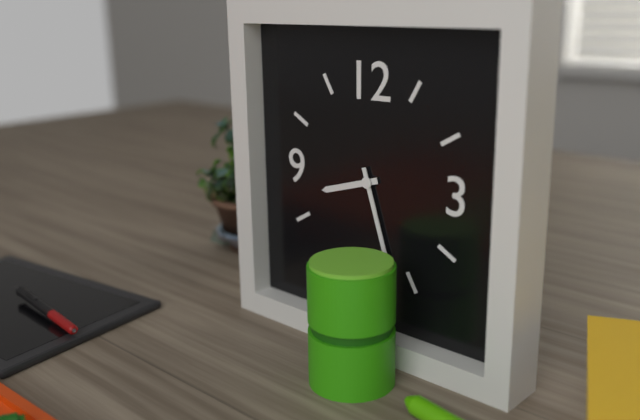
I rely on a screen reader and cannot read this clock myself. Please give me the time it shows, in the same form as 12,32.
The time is 8,27
